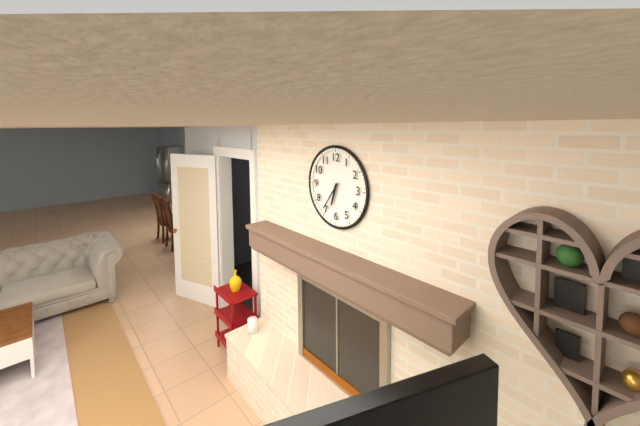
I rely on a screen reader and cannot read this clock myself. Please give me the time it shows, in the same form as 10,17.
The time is 6,36
